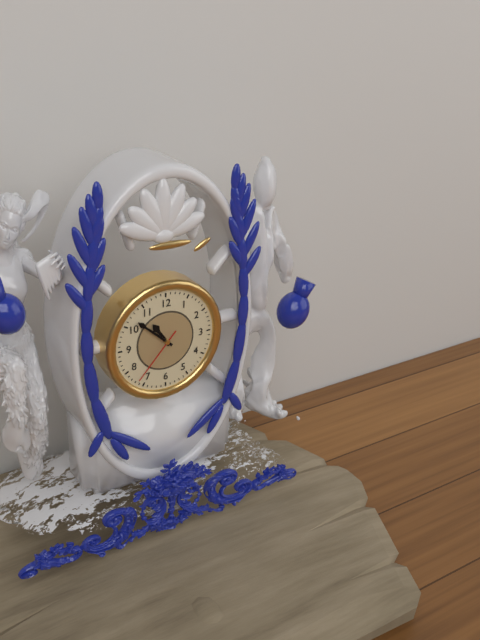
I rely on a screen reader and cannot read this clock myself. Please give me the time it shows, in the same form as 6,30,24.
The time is 10,52,37
